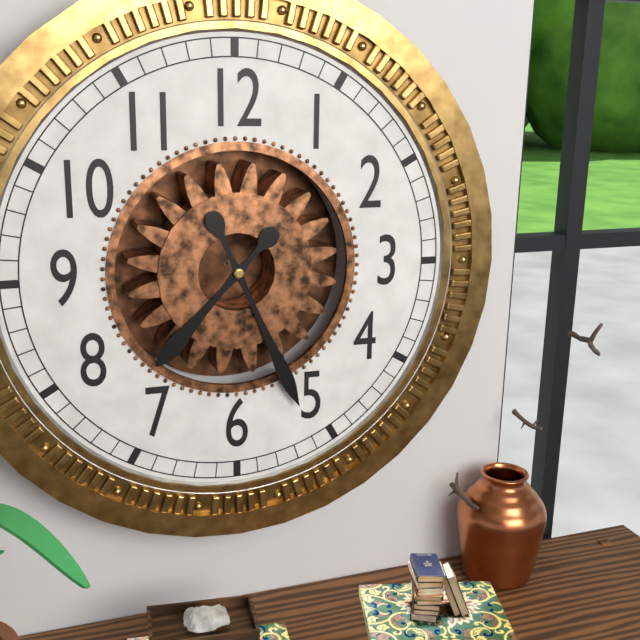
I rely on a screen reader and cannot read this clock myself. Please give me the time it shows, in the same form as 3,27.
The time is 7,26
